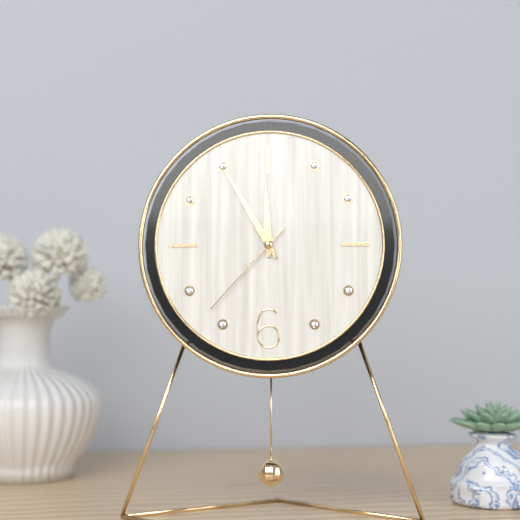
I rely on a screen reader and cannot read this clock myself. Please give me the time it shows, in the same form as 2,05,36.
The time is 11,55,37
